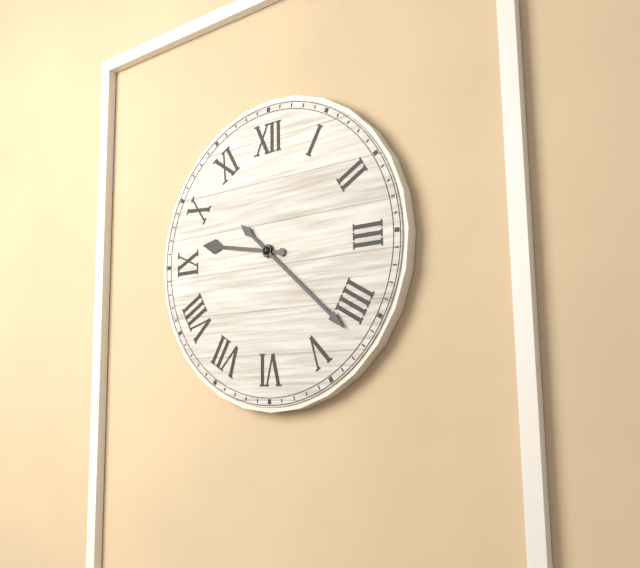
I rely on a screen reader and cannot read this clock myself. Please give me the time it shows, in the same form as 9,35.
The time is 9,22
